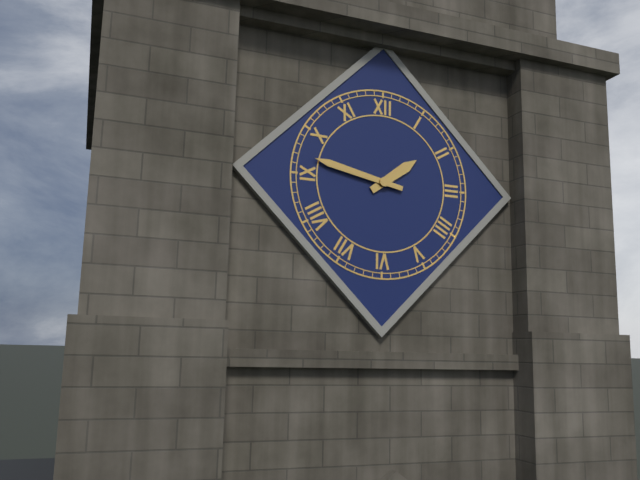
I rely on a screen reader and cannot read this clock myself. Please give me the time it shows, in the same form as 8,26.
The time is 1,47
